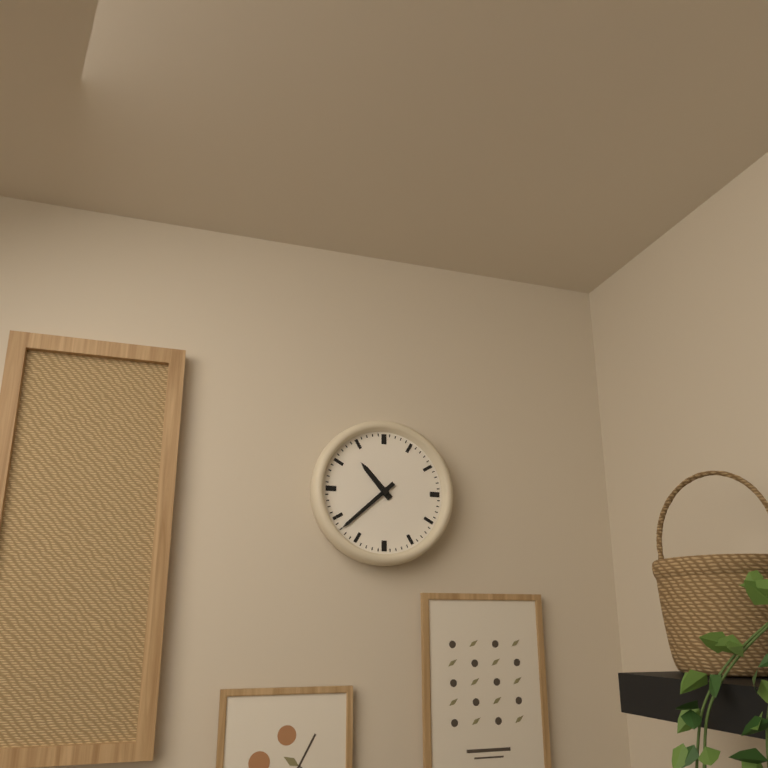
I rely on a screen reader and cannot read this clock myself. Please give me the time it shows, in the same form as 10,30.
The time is 10,38
